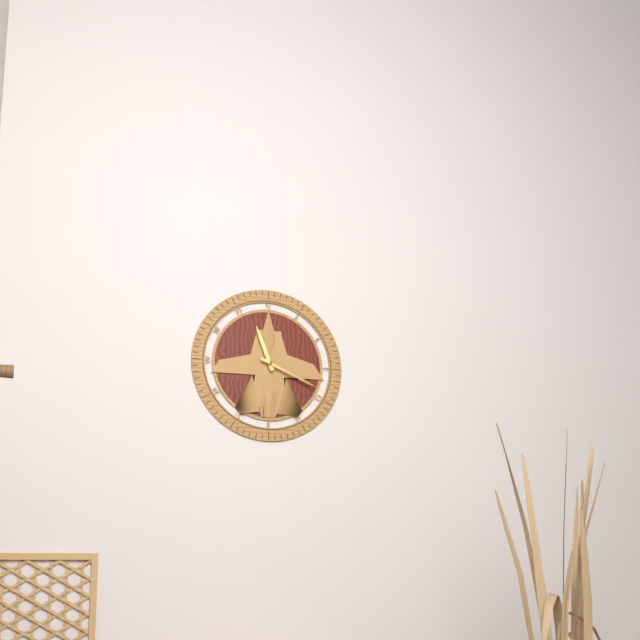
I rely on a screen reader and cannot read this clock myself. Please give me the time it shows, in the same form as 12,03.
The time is 11,19
